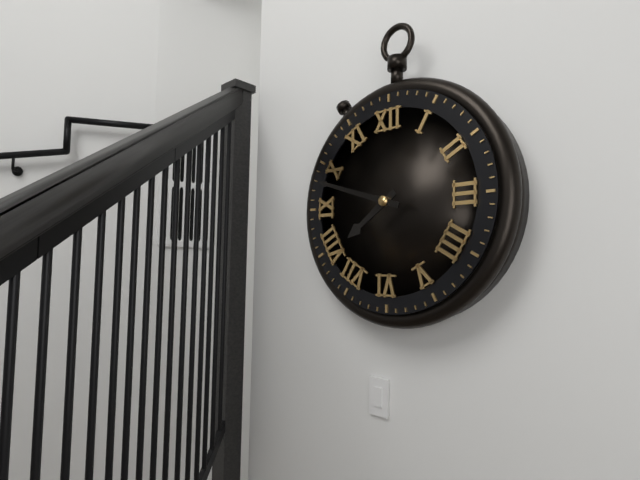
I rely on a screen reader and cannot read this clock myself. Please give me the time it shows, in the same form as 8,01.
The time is 7,48
